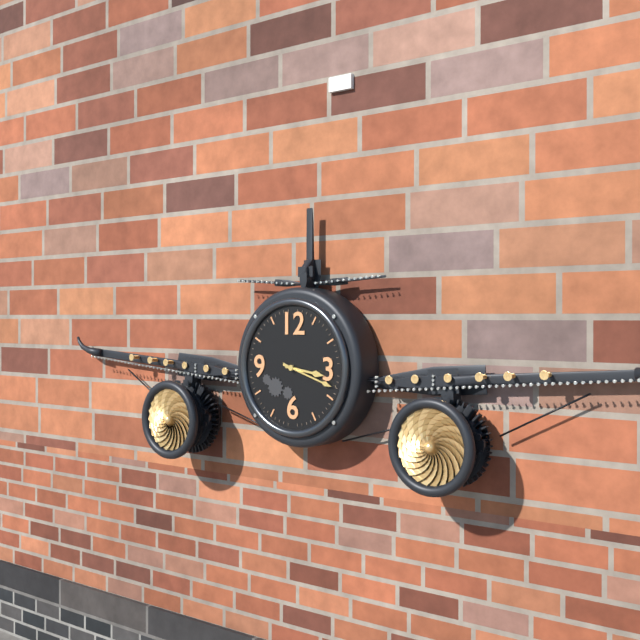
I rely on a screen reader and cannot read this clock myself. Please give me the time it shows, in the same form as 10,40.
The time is 3,18
